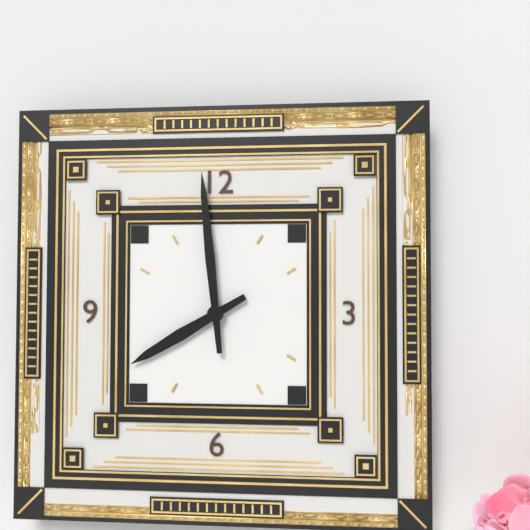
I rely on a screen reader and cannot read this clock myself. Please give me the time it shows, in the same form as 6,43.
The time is 7,59
